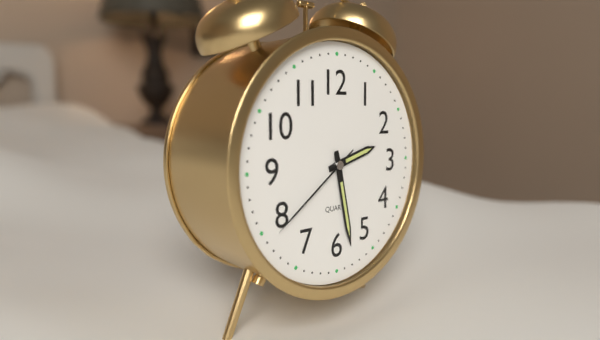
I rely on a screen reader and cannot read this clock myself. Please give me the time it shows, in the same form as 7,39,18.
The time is 2,28,39
